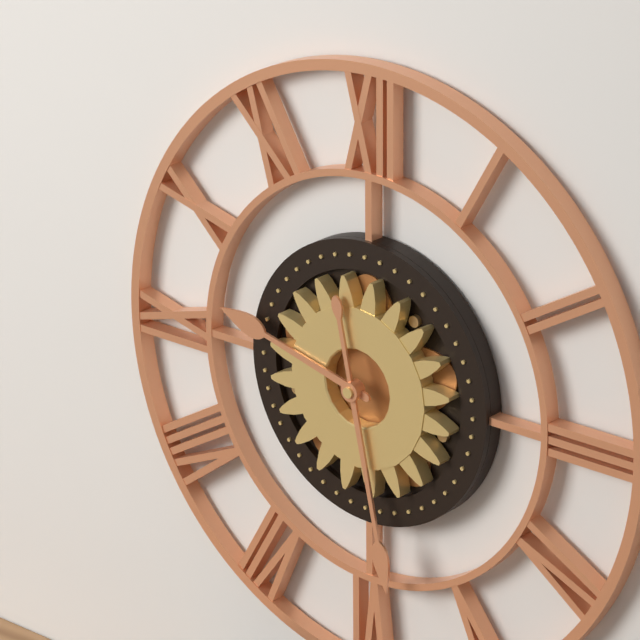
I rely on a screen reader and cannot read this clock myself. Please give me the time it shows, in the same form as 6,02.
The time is 9,28
